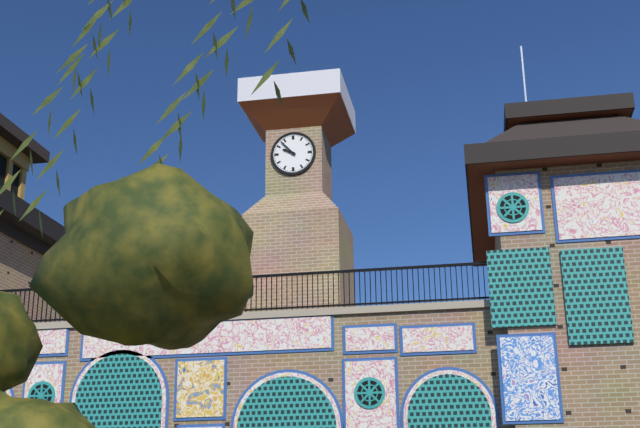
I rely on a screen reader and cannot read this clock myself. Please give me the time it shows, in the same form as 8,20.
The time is 9,53
